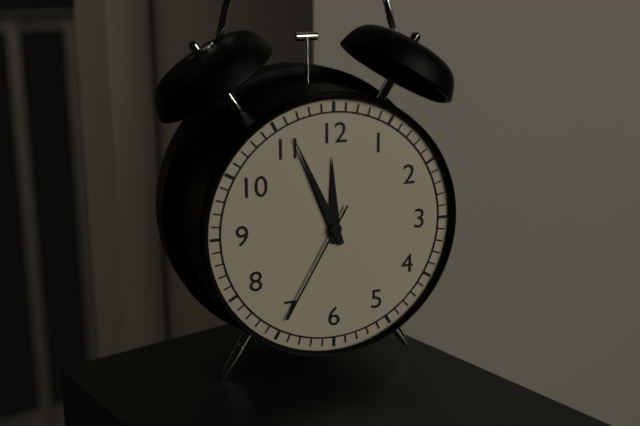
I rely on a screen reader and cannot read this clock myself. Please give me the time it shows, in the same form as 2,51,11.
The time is 11,56,35
